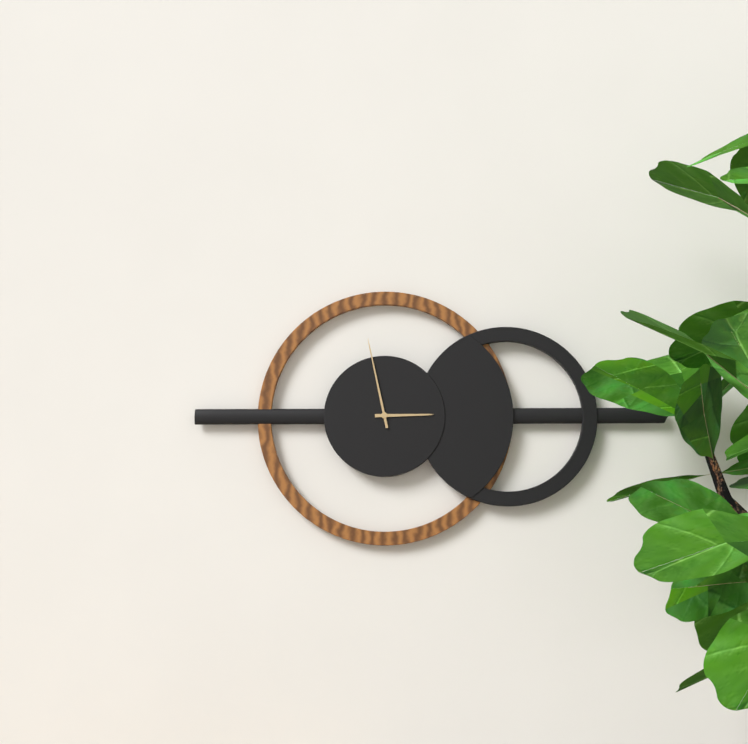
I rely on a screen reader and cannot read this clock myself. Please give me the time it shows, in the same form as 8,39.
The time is 2,58
